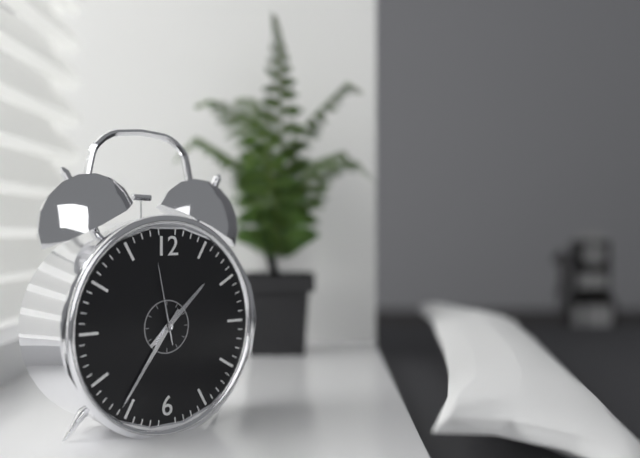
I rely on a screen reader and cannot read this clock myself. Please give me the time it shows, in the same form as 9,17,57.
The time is 1,36,58
